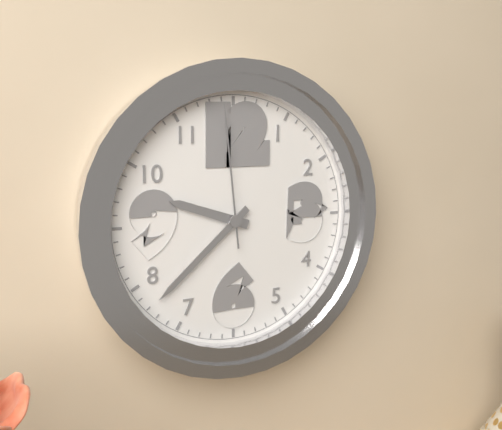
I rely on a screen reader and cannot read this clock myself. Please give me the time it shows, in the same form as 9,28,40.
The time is 9,38,59
